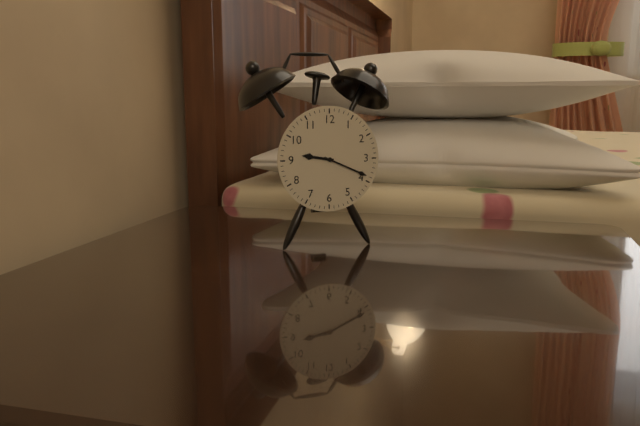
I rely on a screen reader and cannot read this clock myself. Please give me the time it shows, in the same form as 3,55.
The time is 9,19
